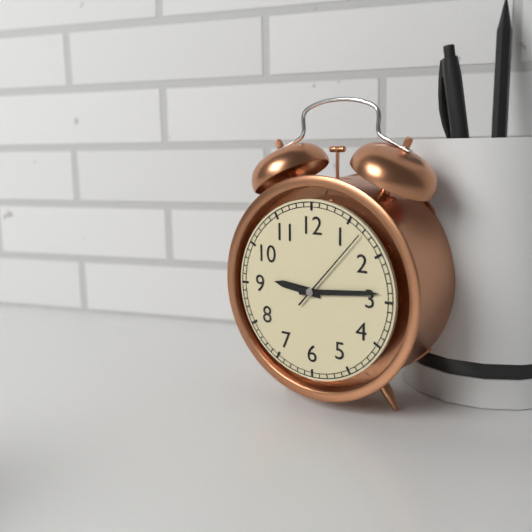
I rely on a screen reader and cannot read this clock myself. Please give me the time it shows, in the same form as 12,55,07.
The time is 9,14,07
